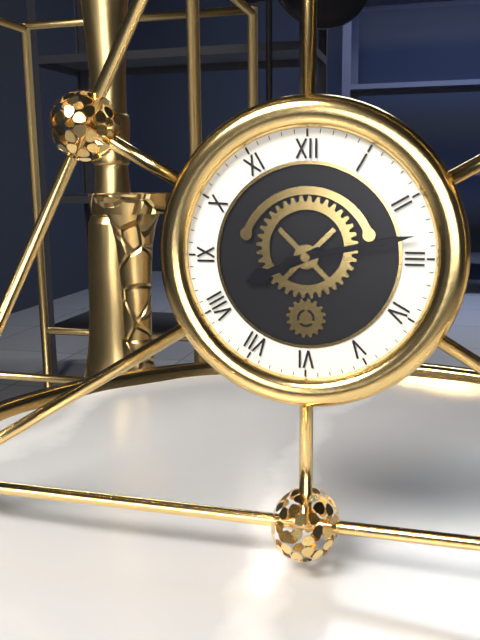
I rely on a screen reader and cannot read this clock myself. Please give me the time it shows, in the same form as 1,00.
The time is 8,13
